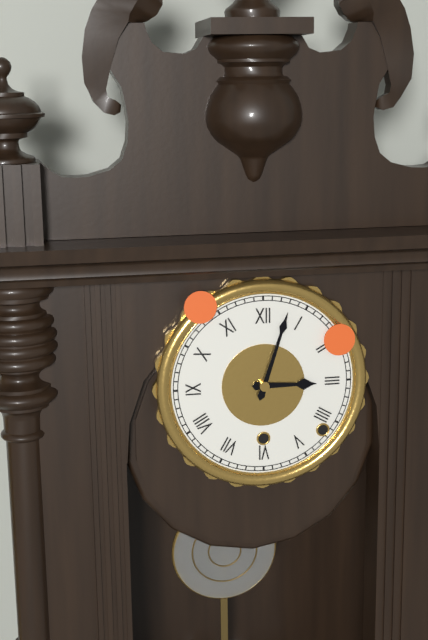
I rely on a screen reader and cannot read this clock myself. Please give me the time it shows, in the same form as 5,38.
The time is 3,03
